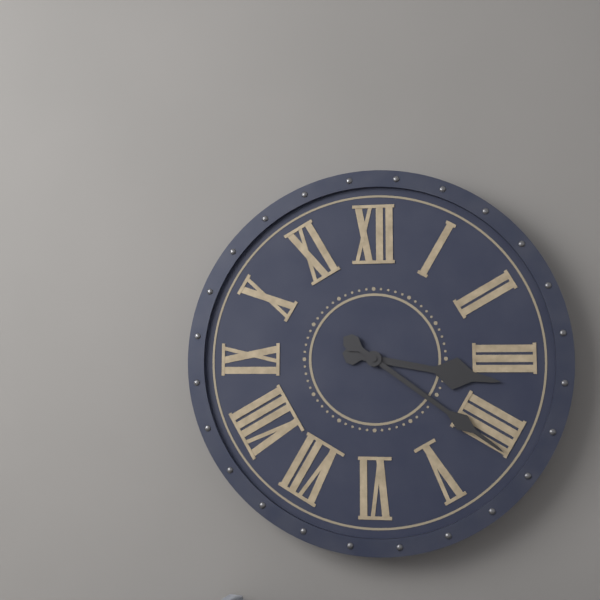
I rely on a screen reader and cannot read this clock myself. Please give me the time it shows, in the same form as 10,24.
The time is 3,21
